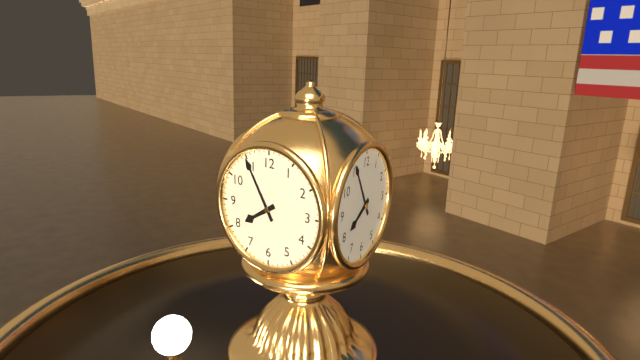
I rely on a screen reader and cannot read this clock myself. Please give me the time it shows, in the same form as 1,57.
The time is 7,55
